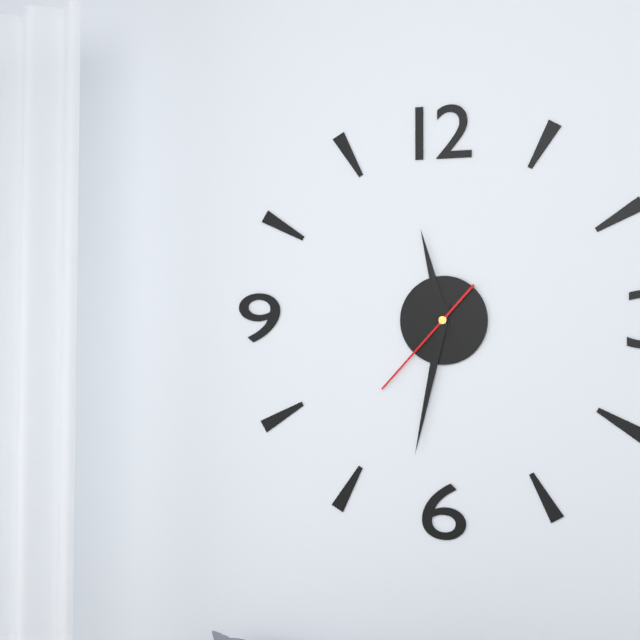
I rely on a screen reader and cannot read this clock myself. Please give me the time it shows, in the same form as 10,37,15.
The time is 11,32,37
